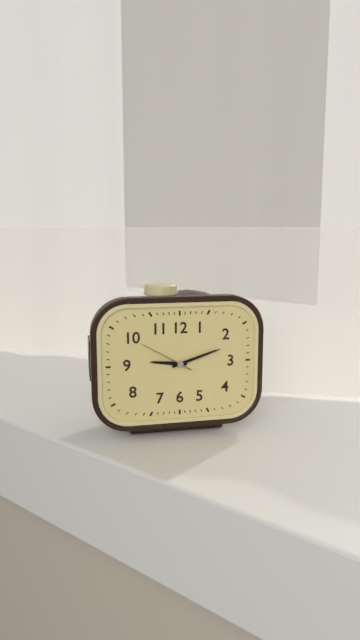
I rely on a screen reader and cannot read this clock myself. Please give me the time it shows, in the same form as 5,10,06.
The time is 9,12,50
